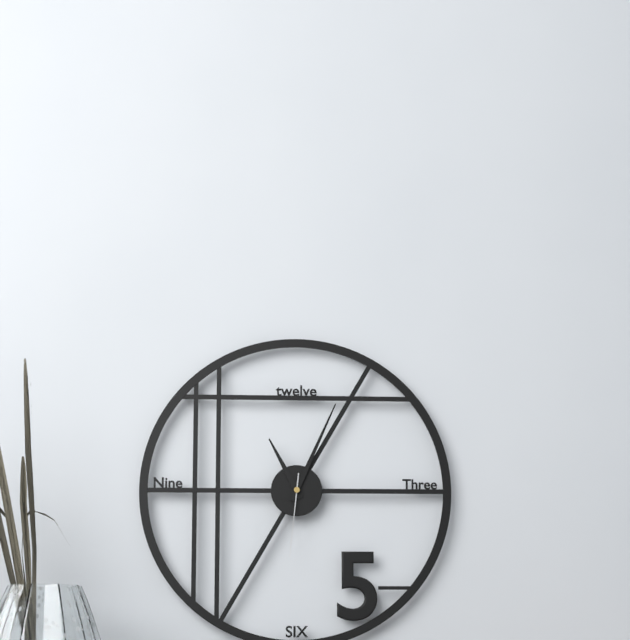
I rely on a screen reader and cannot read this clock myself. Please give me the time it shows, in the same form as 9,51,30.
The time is 11,04,31
